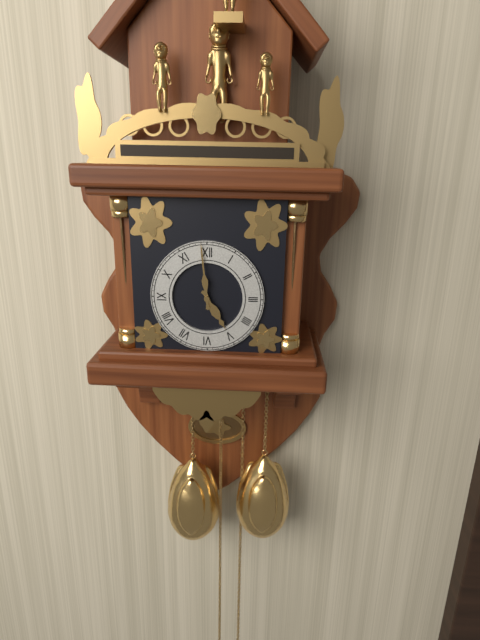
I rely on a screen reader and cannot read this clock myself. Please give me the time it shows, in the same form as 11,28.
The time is 4,59
